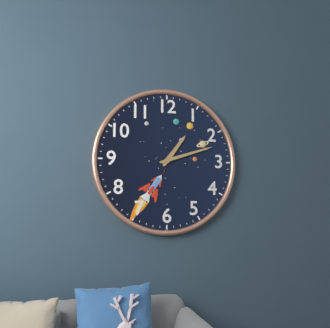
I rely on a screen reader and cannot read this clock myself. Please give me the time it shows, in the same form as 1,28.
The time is 1,12
